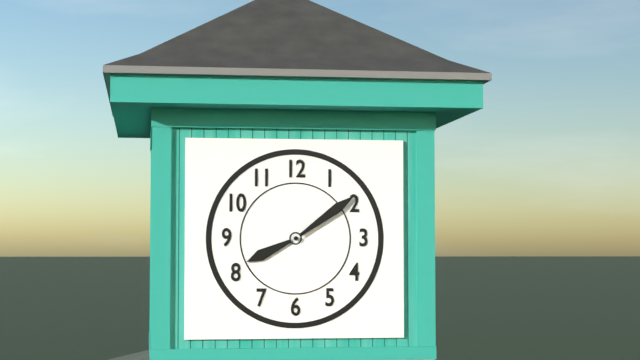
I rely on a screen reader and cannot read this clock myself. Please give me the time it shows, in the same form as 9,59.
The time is 8,09
